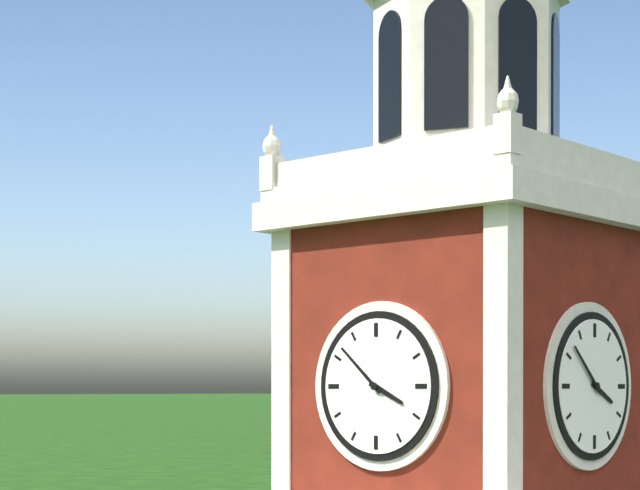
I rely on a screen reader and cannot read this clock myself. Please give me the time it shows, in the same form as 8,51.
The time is 3,52
